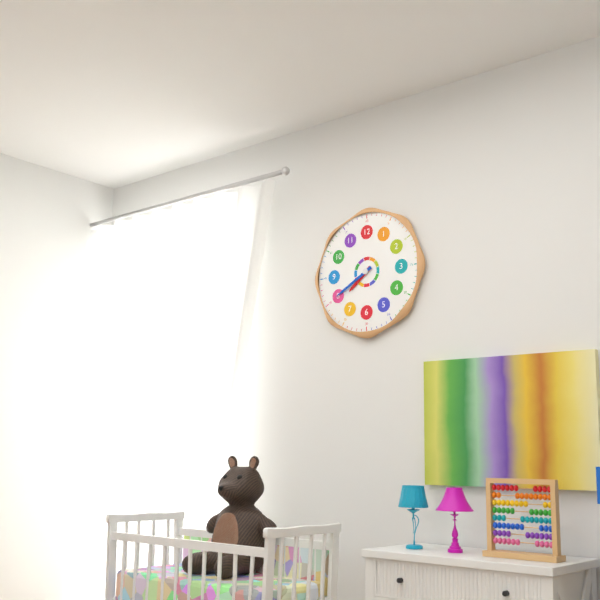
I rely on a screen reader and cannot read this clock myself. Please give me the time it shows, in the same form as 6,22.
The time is 7,40
